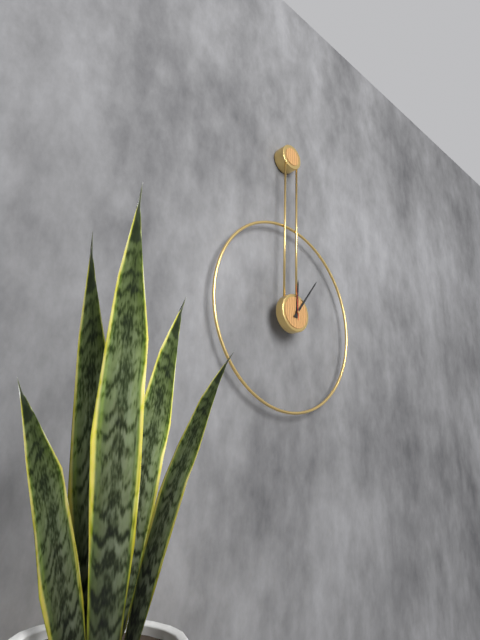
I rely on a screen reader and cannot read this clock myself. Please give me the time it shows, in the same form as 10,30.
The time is 12,06
